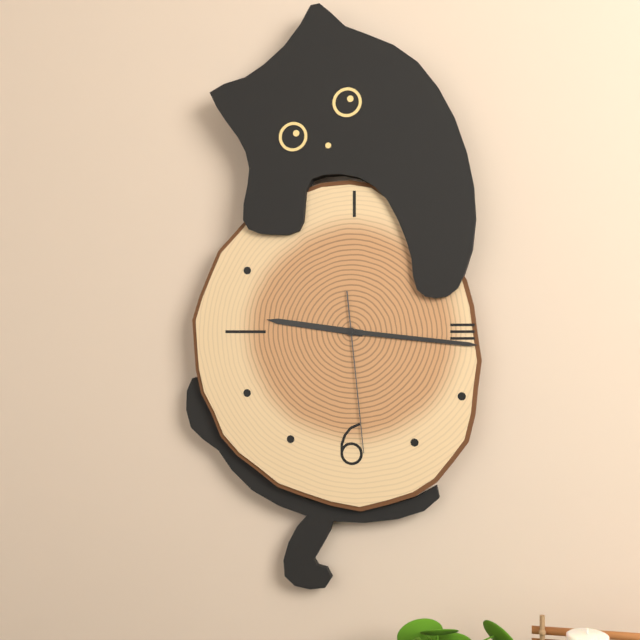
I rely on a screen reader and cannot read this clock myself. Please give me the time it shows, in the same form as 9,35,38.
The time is 9,16,29
